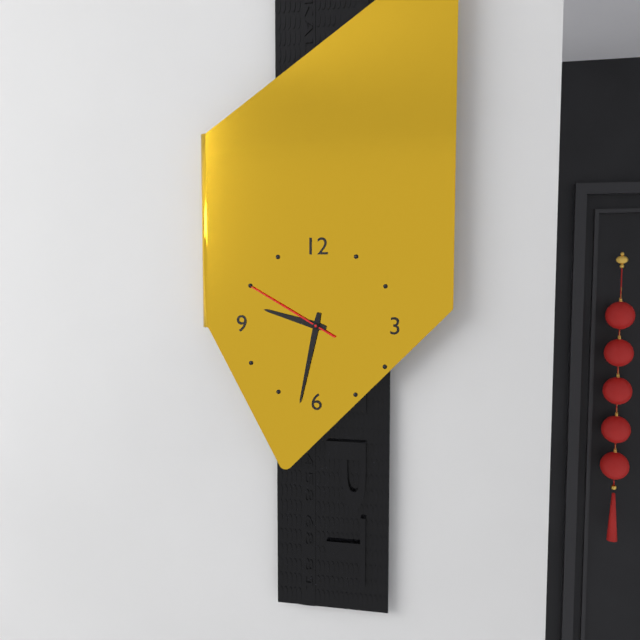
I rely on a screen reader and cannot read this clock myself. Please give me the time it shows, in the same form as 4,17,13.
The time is 9,32,50
